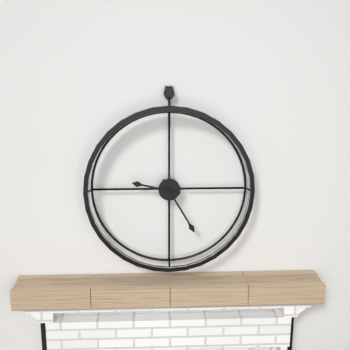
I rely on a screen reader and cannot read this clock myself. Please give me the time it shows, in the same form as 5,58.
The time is 9,25
